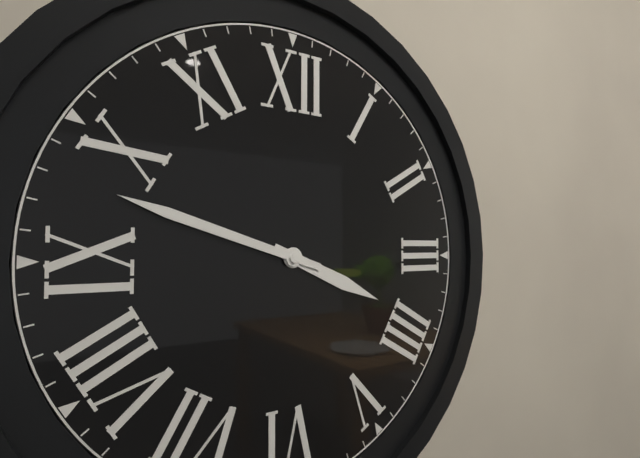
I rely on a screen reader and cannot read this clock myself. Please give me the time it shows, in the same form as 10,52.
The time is 3,48
